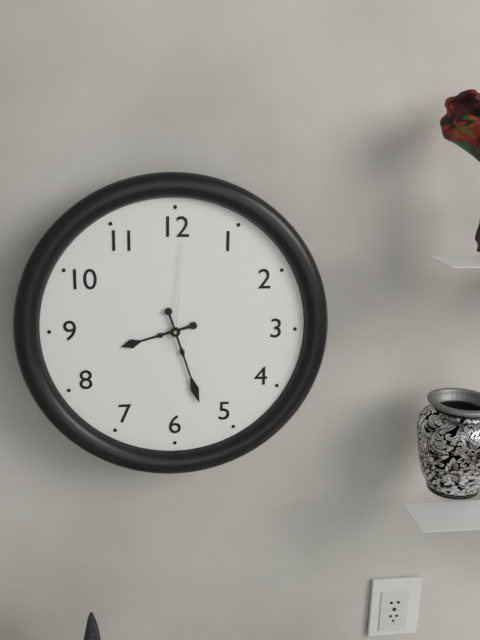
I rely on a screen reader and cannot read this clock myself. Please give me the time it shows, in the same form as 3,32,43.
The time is 8,27,01
